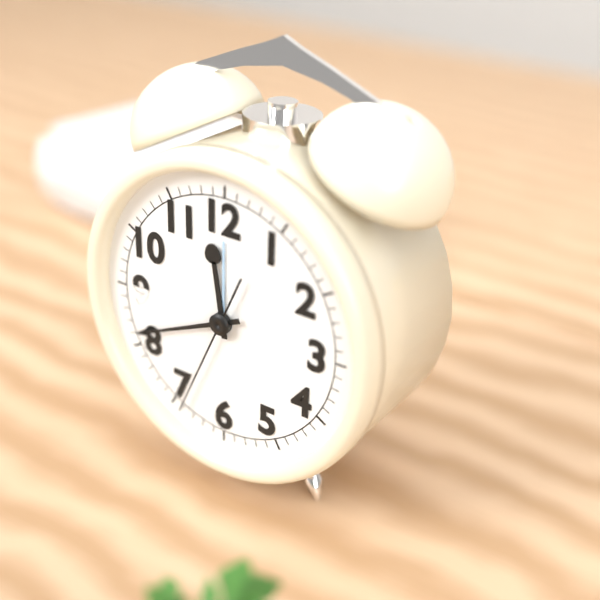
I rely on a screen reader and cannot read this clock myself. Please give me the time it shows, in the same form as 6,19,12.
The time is 11,41,34
